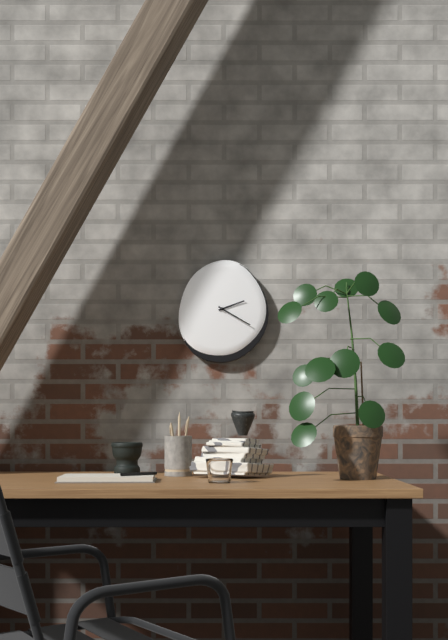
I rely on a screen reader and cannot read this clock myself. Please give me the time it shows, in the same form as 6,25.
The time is 2,20
